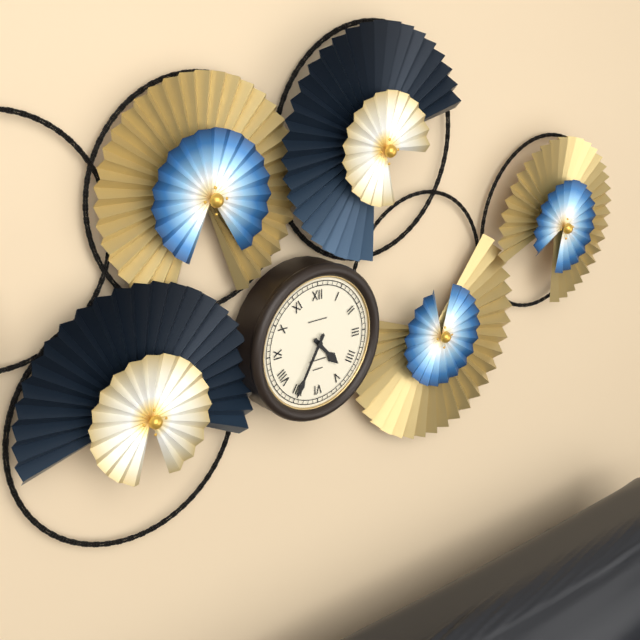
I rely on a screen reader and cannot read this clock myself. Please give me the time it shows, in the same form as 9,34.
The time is 4,35
